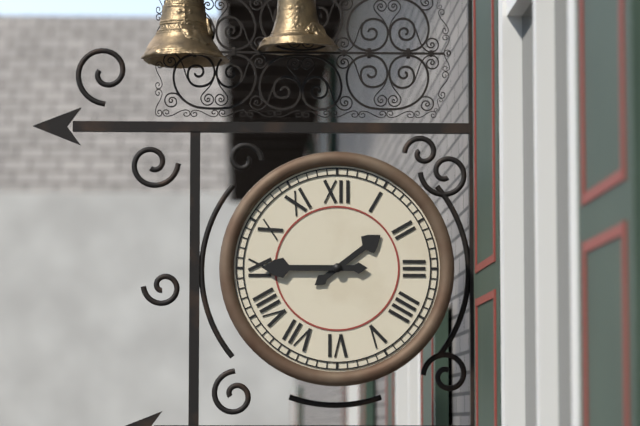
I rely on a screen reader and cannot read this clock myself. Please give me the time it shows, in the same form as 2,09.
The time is 1,45
